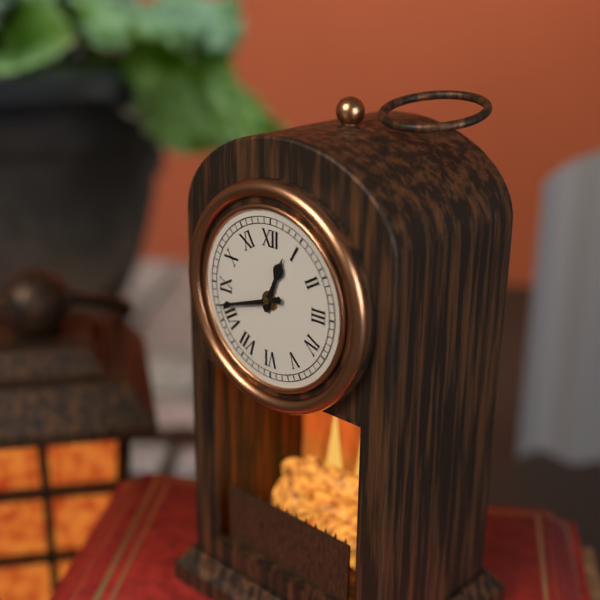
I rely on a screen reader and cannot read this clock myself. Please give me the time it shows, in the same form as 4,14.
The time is 12,42
